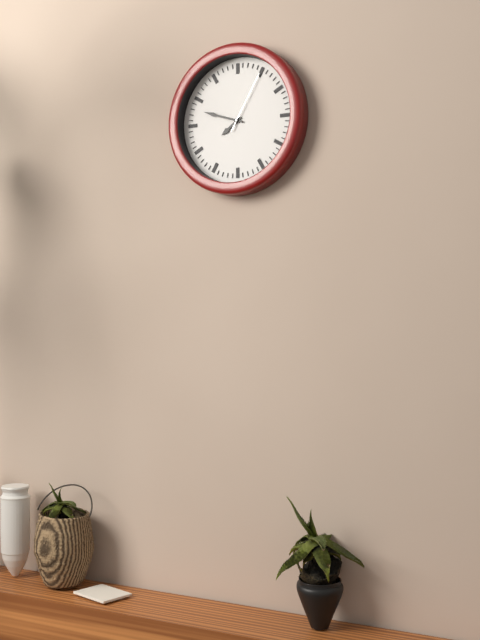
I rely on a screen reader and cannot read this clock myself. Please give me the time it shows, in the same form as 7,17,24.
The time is 7,48,05
